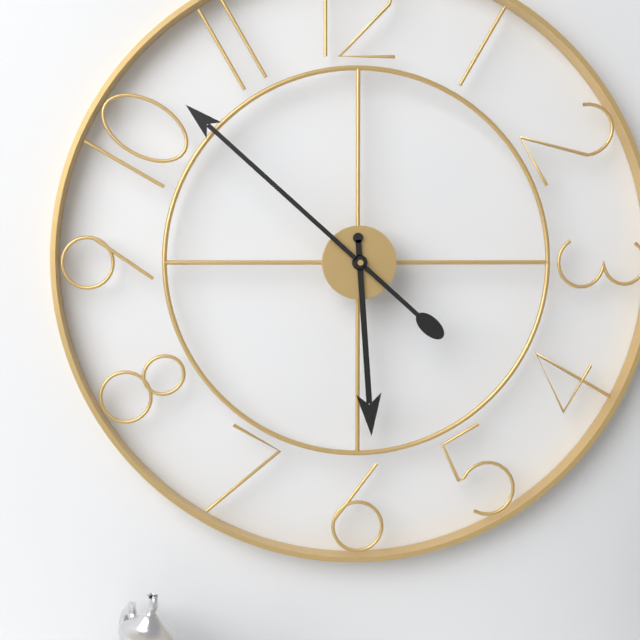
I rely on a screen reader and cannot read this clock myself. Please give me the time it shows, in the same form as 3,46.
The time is 5,52
